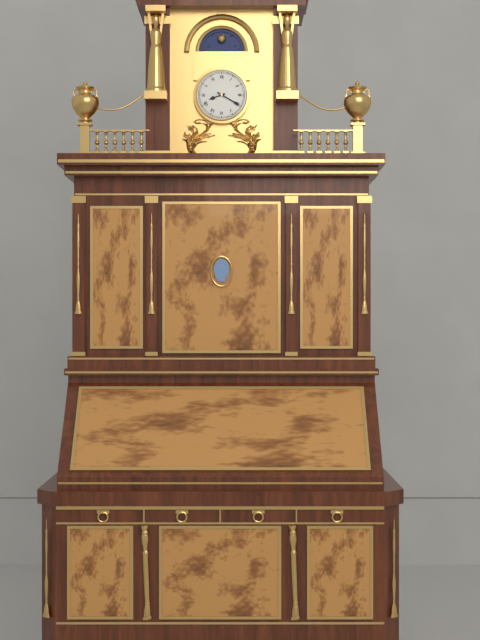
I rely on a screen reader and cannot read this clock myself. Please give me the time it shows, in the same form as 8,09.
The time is 8,20
